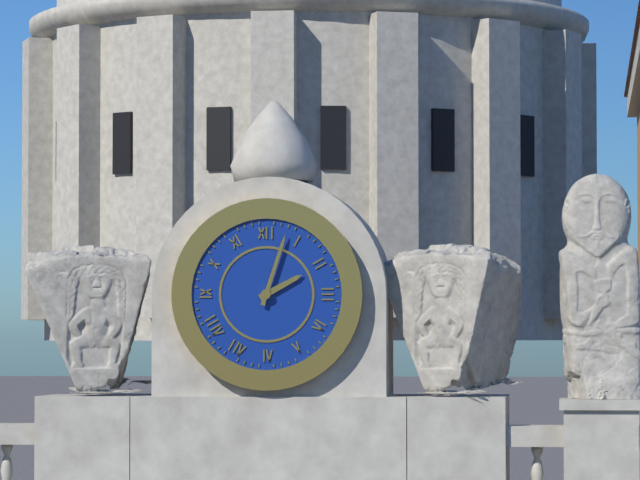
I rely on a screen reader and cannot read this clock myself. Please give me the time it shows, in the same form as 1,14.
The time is 2,03
